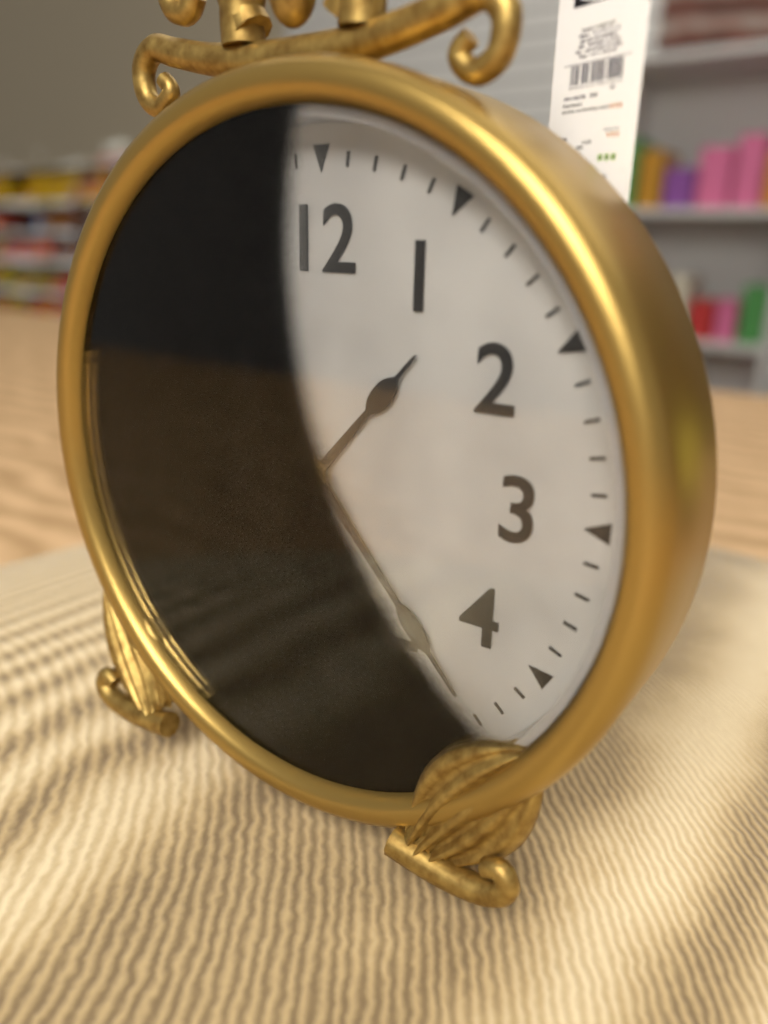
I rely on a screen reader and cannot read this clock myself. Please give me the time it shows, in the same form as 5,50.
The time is 1,23
